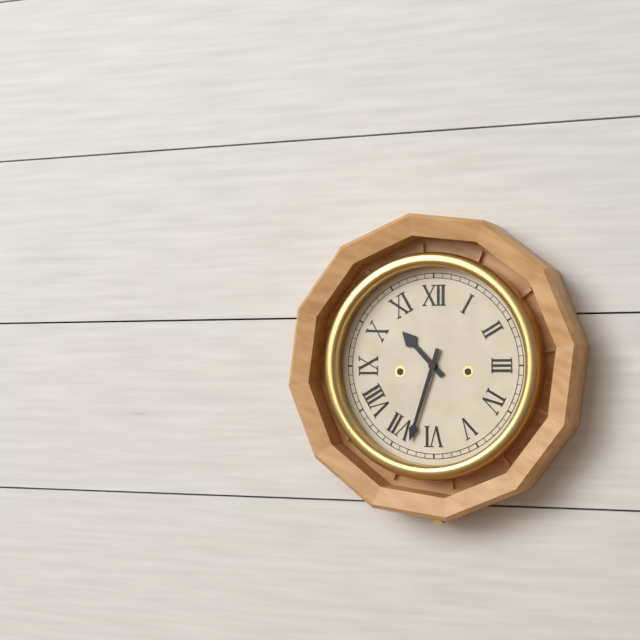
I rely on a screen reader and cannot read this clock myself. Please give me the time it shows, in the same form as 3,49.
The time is 10,33
